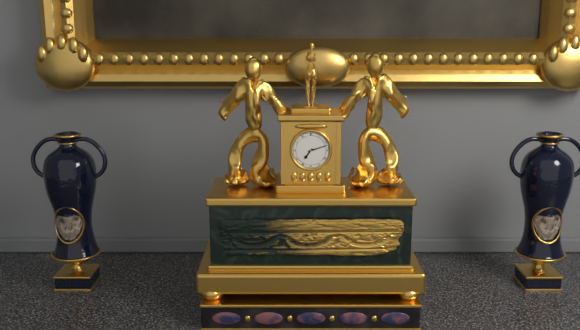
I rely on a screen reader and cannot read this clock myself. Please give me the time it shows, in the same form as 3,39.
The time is 7,12
